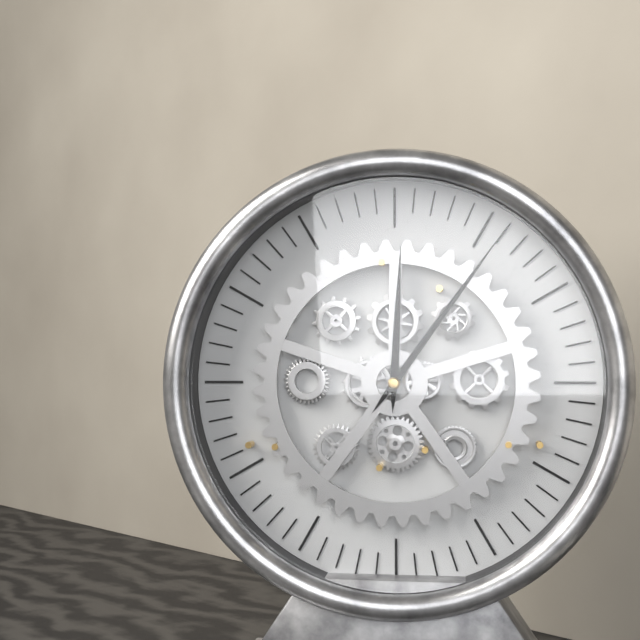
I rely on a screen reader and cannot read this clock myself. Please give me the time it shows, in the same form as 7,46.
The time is 12,06
